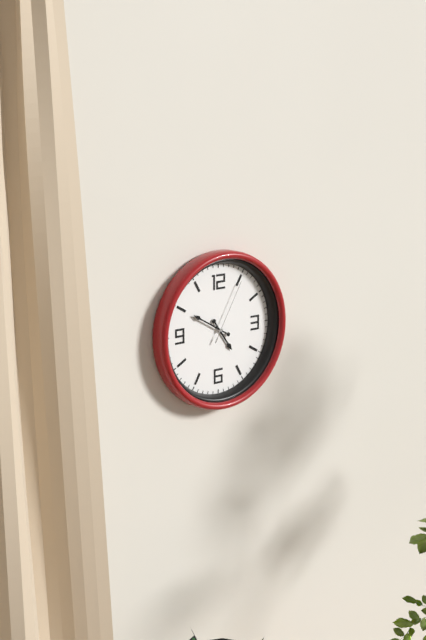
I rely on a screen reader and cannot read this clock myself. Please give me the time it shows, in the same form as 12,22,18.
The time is 4,50,05
